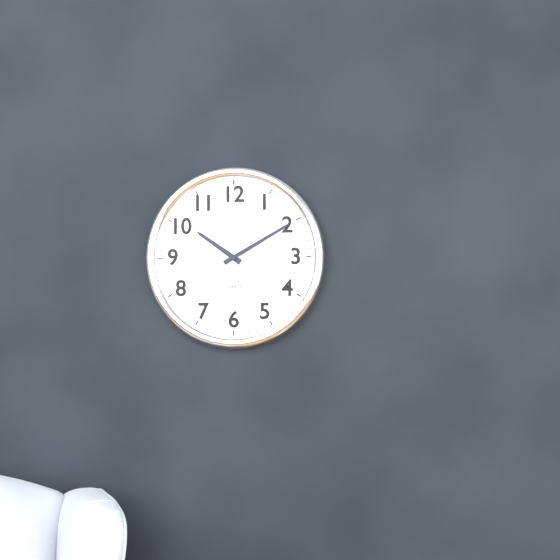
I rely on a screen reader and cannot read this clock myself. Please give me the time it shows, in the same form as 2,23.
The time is 10,10
